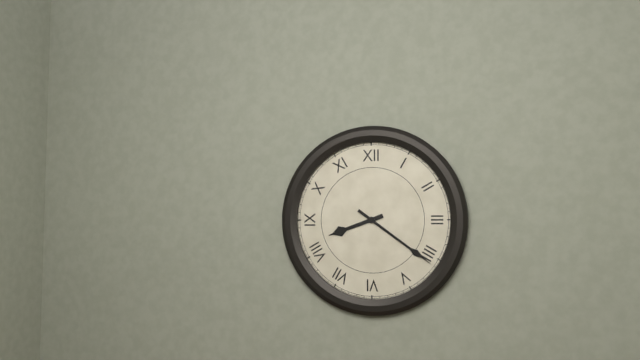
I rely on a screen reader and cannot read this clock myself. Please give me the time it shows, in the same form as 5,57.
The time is 8,21
